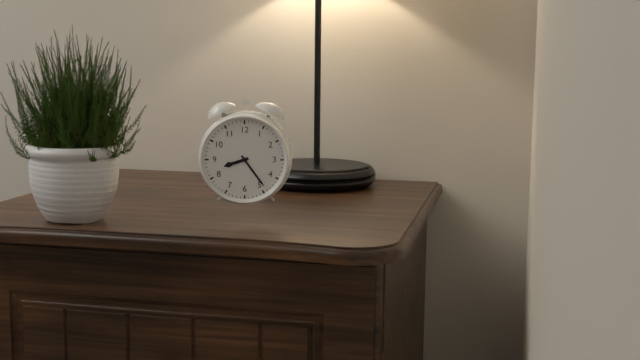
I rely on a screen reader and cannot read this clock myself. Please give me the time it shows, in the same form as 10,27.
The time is 8,24
